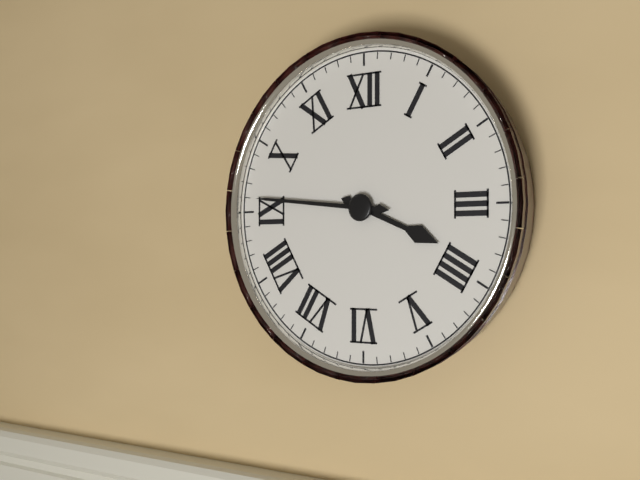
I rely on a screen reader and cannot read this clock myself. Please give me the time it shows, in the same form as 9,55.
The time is 3,46
